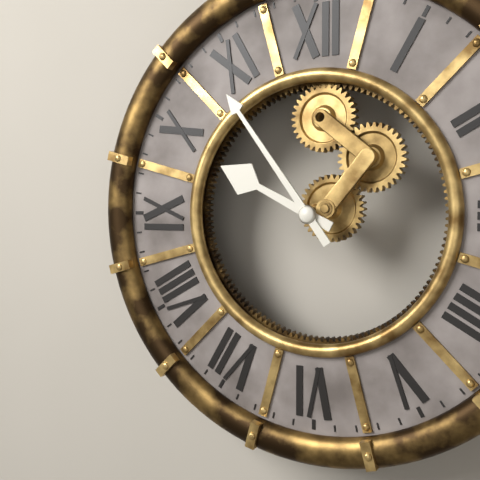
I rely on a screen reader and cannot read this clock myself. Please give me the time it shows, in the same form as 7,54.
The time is 9,54
